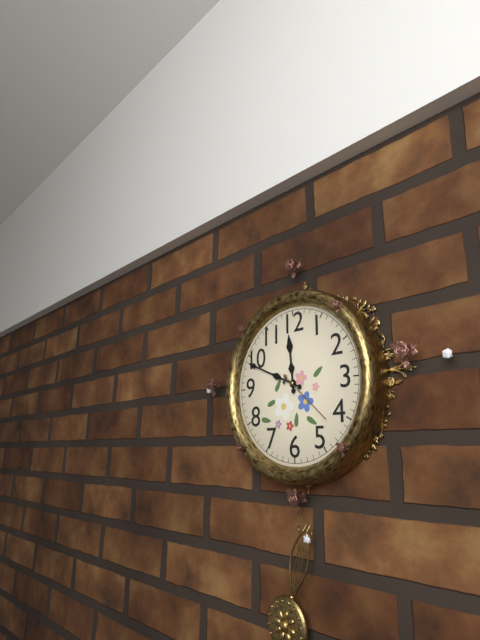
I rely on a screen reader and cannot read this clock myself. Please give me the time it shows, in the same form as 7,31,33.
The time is 11,49,22
